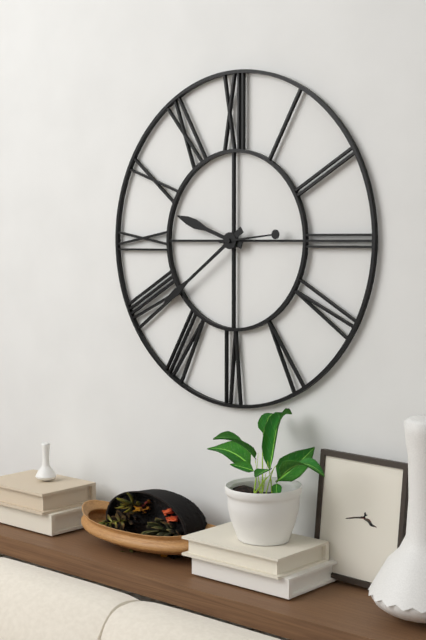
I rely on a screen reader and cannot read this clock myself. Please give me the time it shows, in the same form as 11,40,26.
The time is 9,39,14
